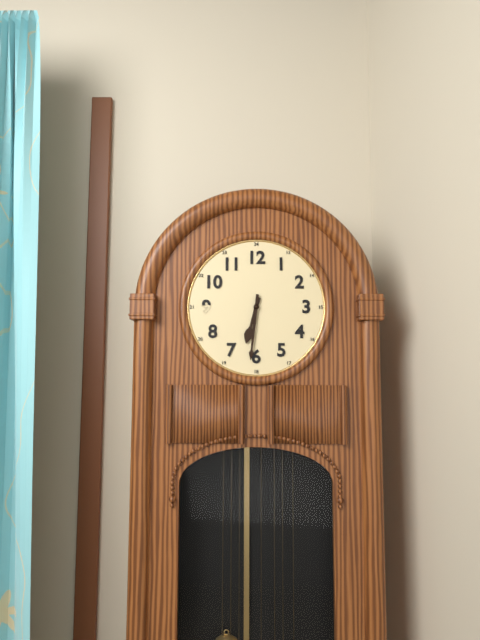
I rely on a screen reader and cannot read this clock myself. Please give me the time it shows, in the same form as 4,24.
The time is 6,31
